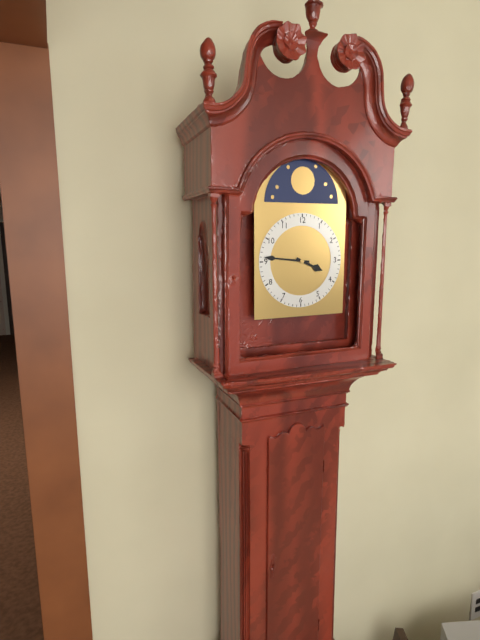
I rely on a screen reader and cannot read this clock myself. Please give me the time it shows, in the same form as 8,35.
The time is 3,46
